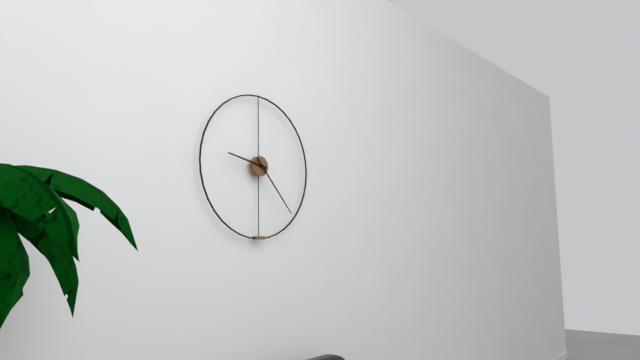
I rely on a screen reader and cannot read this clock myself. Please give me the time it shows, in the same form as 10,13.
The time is 9,23
